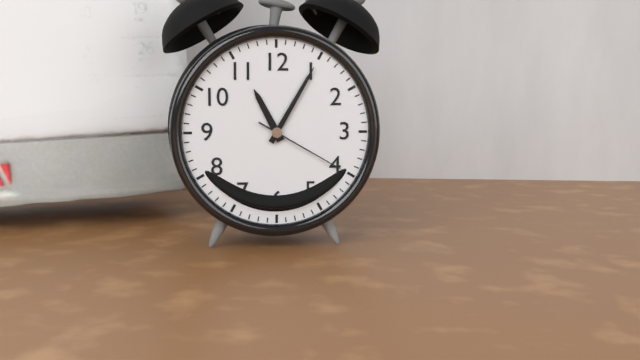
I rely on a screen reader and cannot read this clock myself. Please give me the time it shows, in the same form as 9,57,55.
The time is 11,05,20
